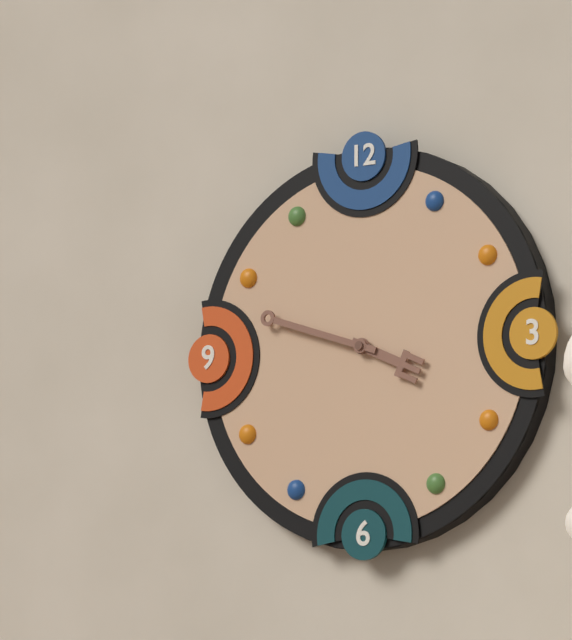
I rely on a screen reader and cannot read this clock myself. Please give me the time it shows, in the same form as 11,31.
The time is 3,48
